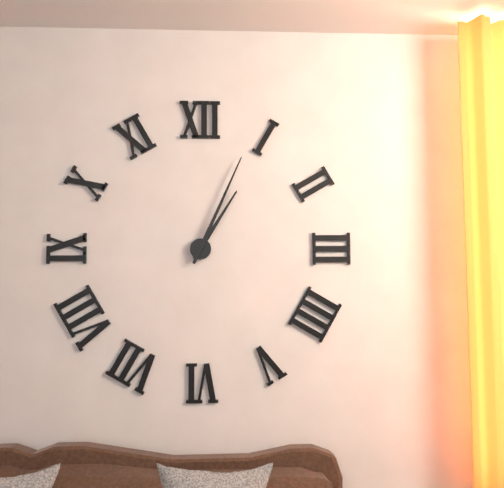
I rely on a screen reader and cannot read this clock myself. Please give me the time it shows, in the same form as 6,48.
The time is 1,04
